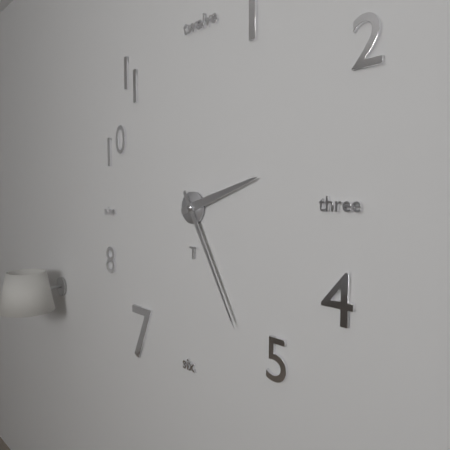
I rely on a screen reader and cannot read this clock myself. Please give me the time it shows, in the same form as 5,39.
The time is 2,25
